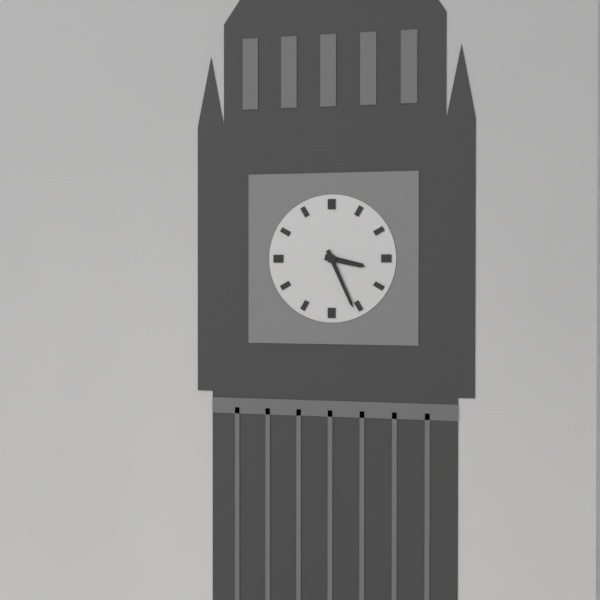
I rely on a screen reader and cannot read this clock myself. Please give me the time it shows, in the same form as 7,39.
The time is 3,26
